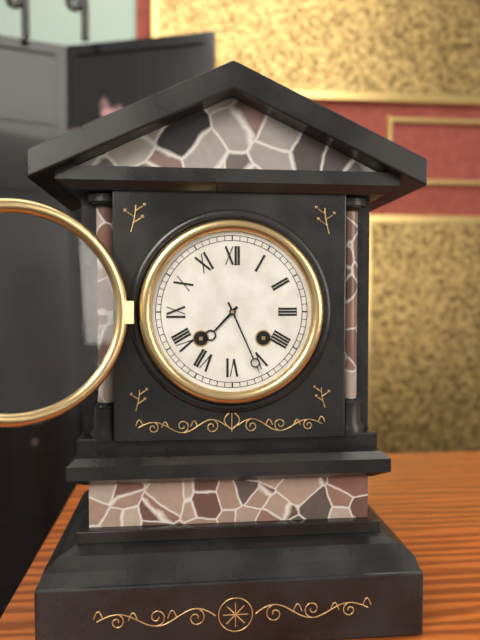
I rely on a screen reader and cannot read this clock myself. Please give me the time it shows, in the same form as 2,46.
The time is 7,26
